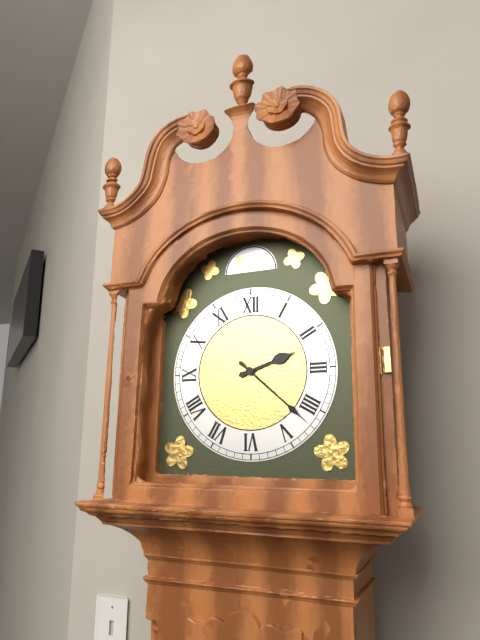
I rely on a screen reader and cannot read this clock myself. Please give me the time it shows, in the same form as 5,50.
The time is 2,22
